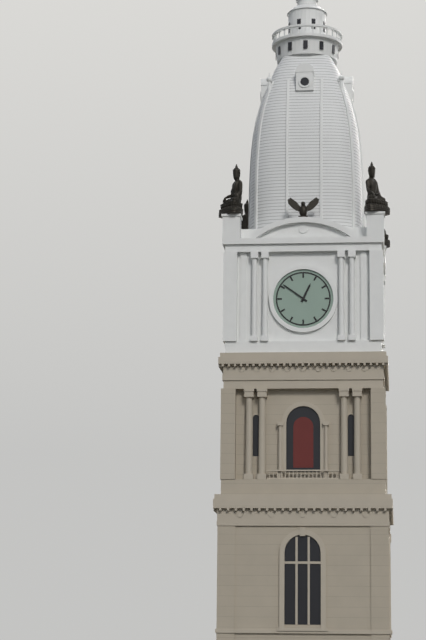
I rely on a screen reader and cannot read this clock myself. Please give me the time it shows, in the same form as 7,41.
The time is 12,51
